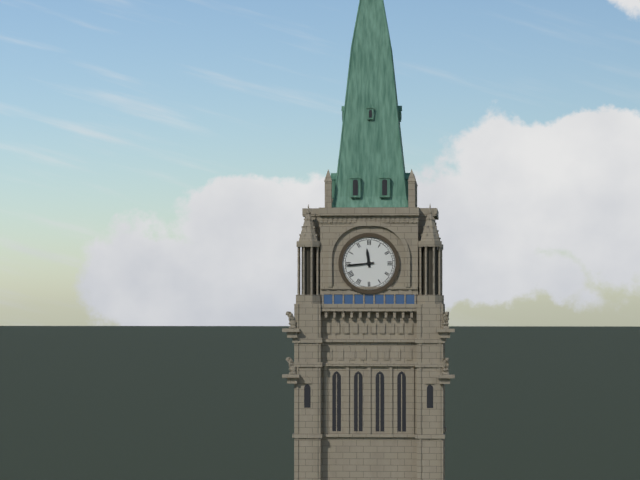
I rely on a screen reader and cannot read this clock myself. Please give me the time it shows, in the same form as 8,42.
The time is 11,44
